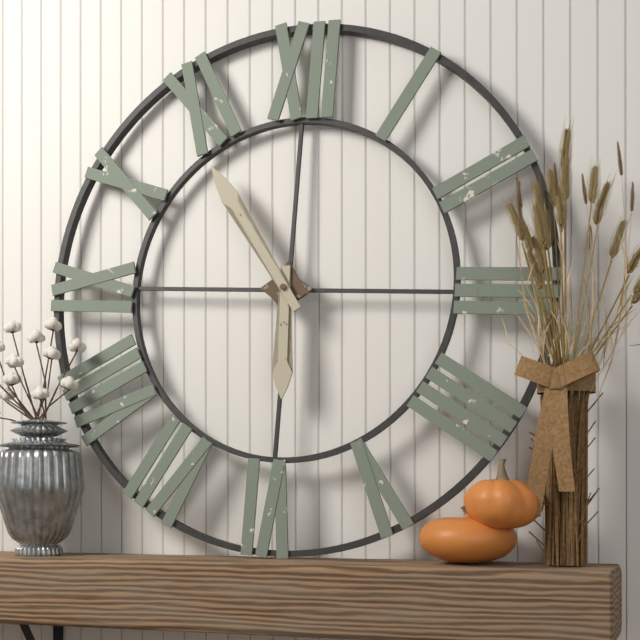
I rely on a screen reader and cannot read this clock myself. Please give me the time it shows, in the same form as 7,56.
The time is 5,54
